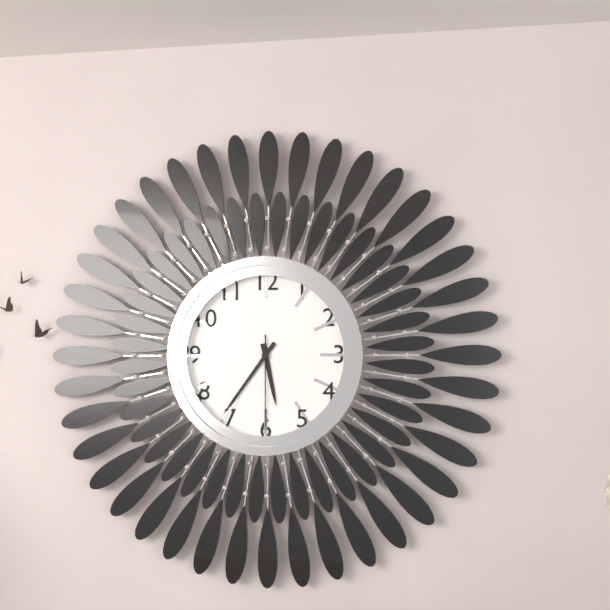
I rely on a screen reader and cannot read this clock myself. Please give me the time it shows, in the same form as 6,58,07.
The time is 5,36,30
